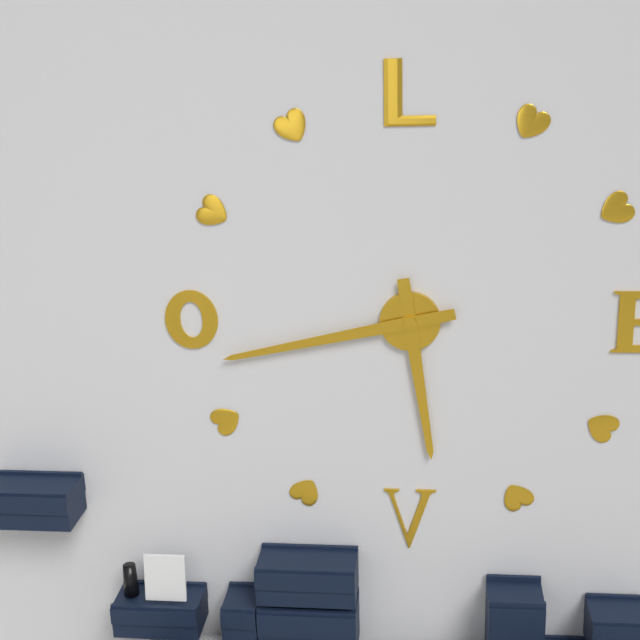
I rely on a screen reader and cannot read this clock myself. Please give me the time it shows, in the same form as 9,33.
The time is 5,43
